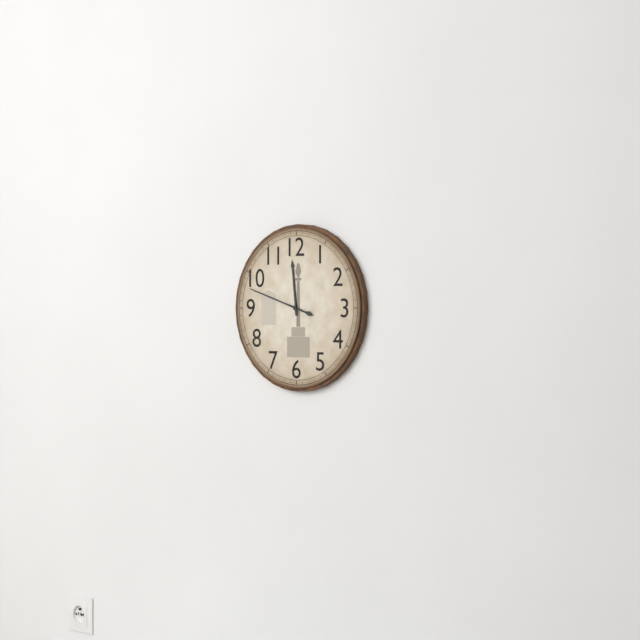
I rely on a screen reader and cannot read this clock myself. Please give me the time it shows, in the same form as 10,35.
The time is 11,48
